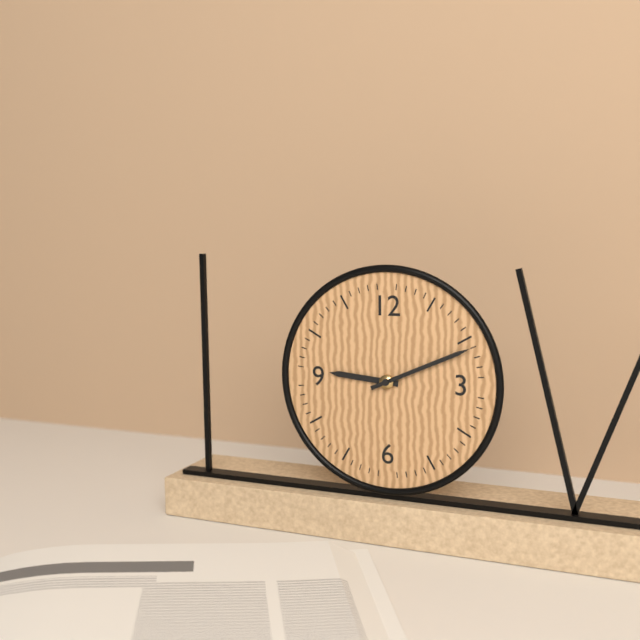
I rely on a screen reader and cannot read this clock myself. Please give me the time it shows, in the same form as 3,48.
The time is 9,11
